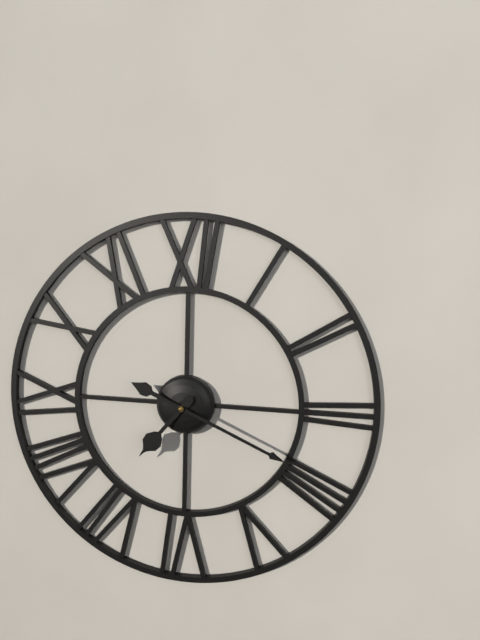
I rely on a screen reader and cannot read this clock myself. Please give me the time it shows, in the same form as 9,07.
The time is 7,19
